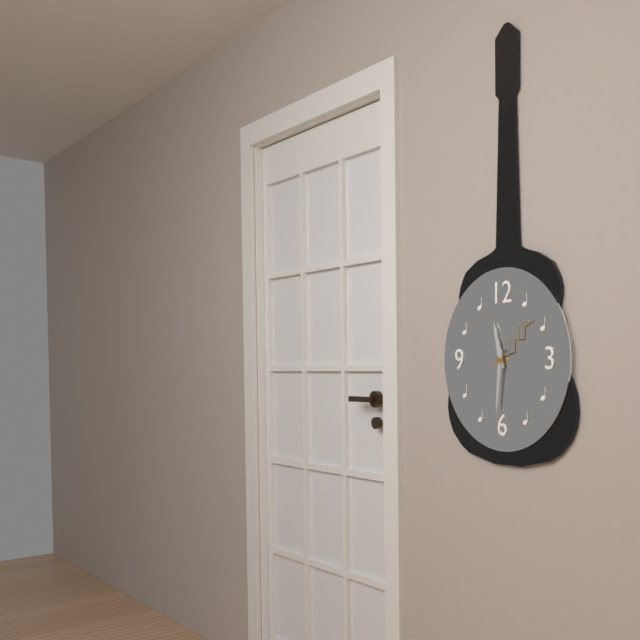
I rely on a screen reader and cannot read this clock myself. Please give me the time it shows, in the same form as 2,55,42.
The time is 11,31,08
